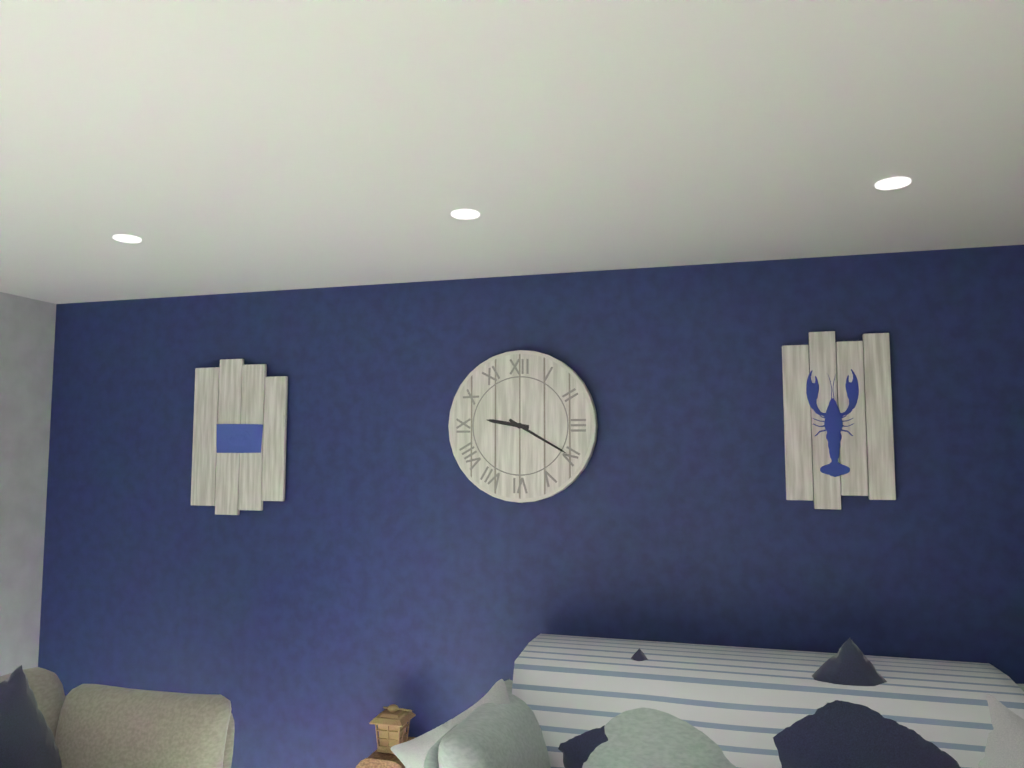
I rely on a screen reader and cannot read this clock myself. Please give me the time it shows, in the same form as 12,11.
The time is 9,20
